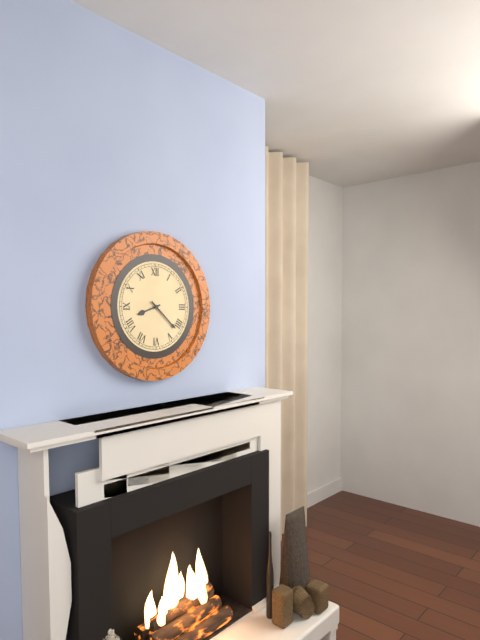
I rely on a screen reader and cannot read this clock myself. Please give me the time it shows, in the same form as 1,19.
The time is 8,22
